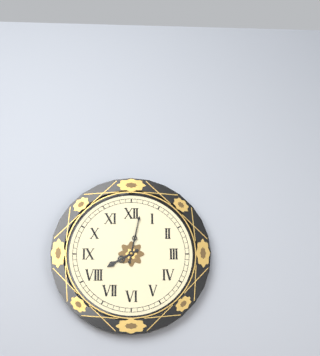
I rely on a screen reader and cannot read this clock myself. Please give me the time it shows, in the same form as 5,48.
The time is 8,02
